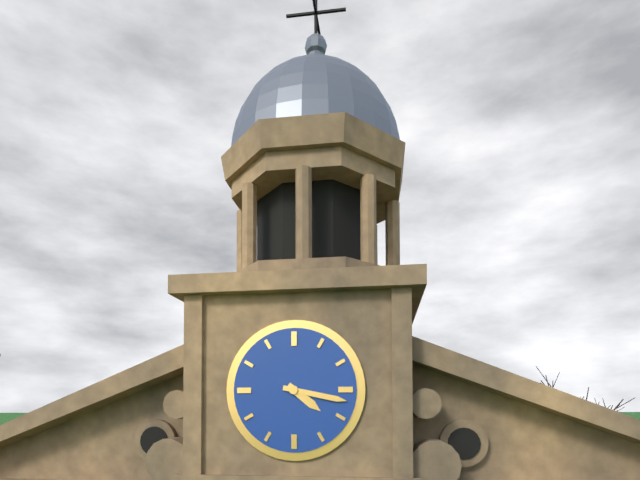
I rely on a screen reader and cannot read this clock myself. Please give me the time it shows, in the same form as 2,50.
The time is 4,17
